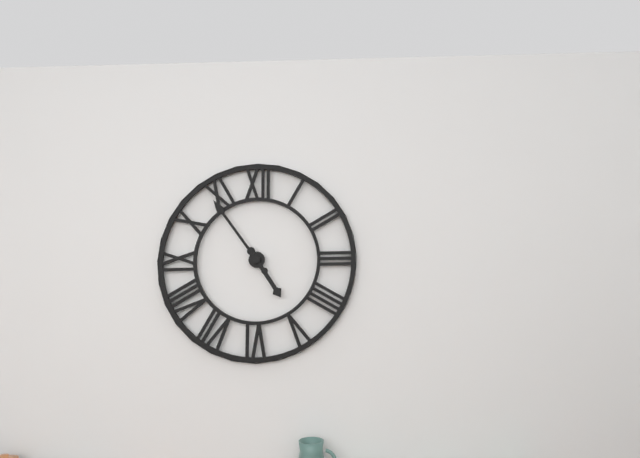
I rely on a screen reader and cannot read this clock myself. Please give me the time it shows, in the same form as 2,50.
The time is 4,54
